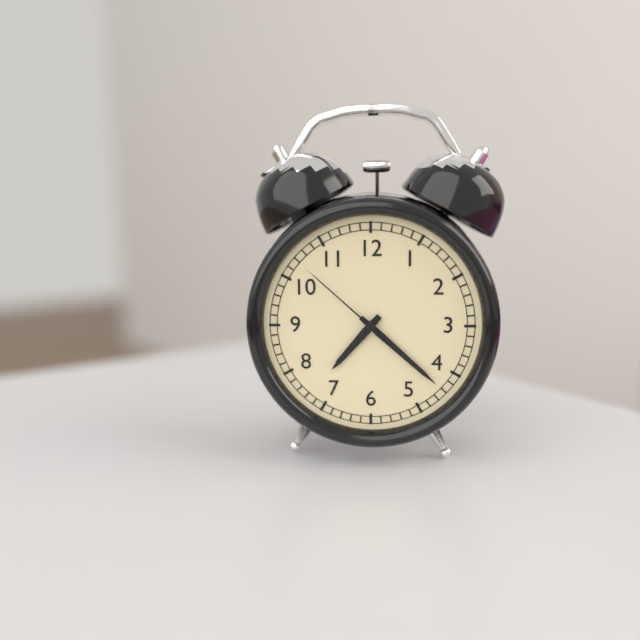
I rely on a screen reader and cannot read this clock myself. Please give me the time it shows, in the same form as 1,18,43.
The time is 7,22,52
